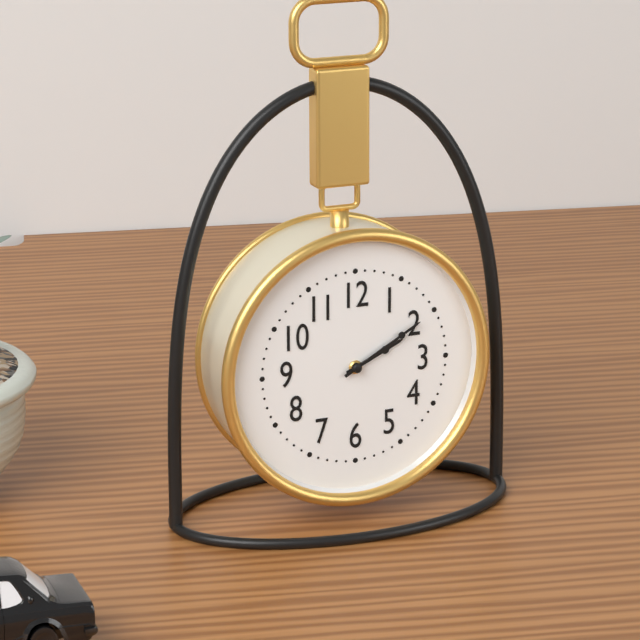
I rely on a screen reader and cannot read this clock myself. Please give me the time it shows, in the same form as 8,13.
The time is 2,10
